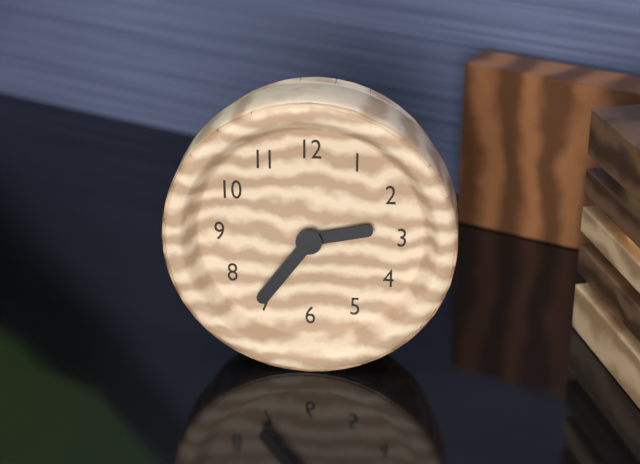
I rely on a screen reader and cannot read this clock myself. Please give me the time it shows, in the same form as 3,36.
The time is 2,36
